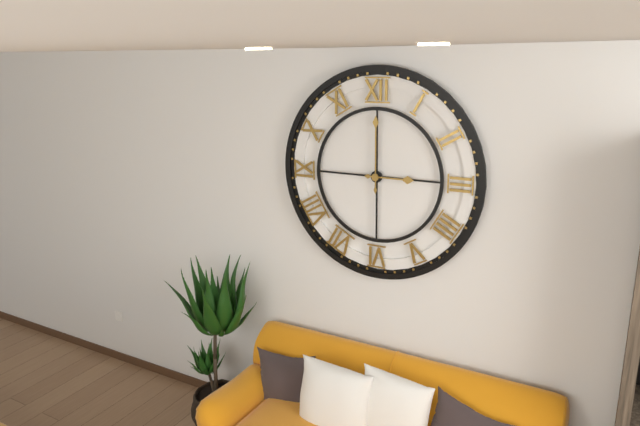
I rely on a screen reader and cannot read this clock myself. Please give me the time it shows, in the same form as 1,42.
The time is 3,00
